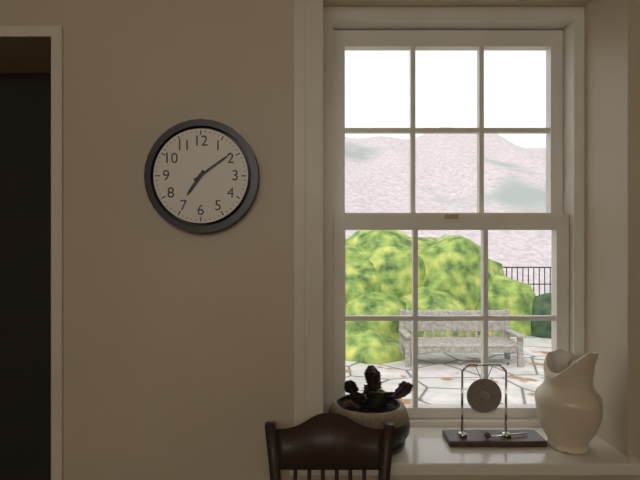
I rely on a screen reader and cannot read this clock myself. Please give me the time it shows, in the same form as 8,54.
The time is 7,09
